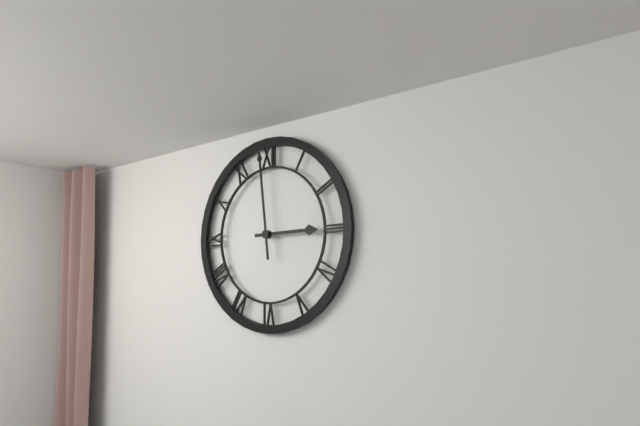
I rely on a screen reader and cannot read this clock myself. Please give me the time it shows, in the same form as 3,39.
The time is 2,59
